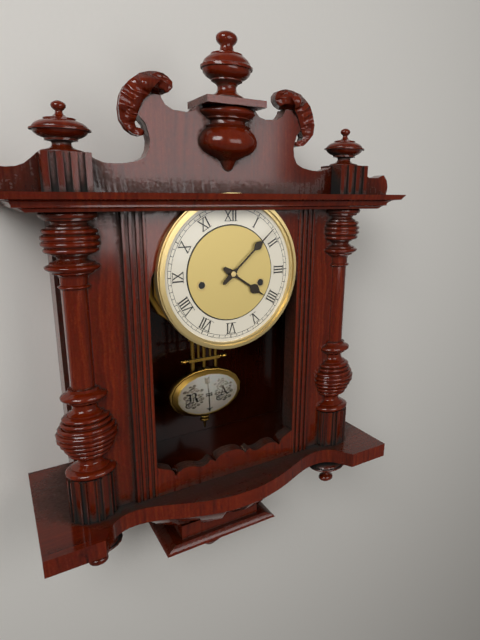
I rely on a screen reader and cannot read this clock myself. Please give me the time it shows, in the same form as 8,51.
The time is 4,08
